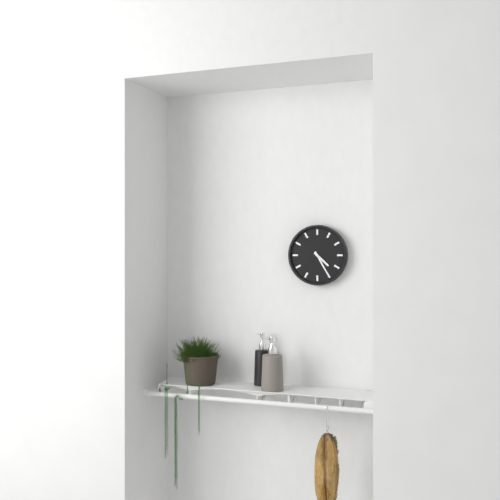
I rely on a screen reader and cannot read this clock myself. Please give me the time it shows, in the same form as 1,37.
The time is 4,25
